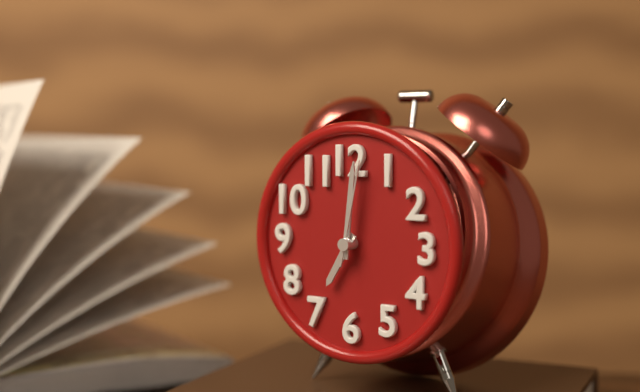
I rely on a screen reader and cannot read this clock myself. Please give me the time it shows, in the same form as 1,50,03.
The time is 7,01,02
